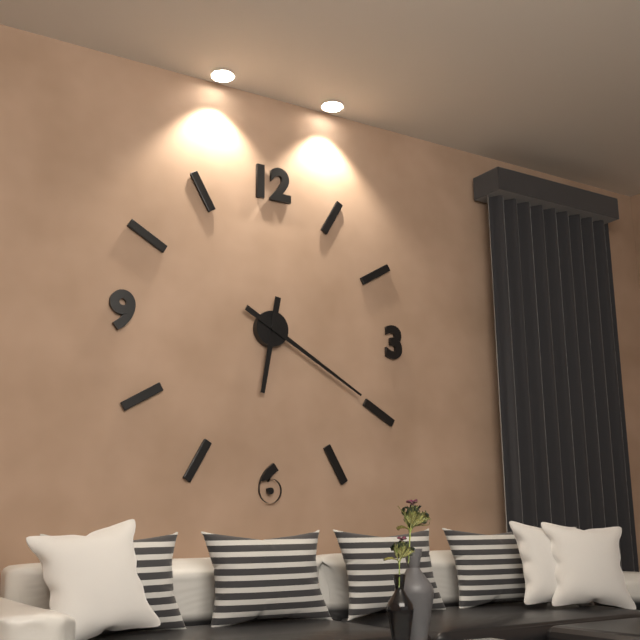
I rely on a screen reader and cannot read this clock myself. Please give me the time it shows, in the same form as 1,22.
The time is 6,20
